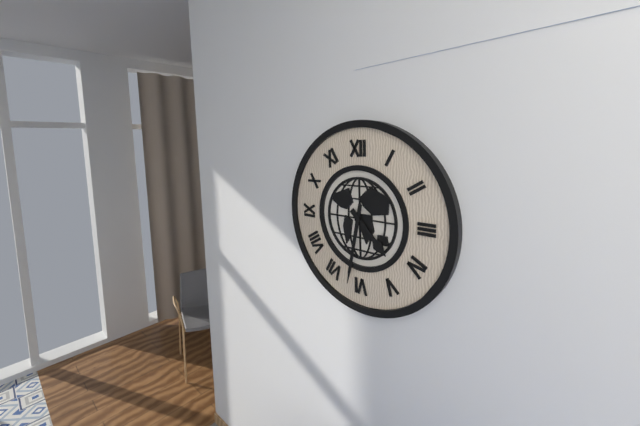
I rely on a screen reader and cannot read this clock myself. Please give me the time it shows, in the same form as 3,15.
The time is 4,32
